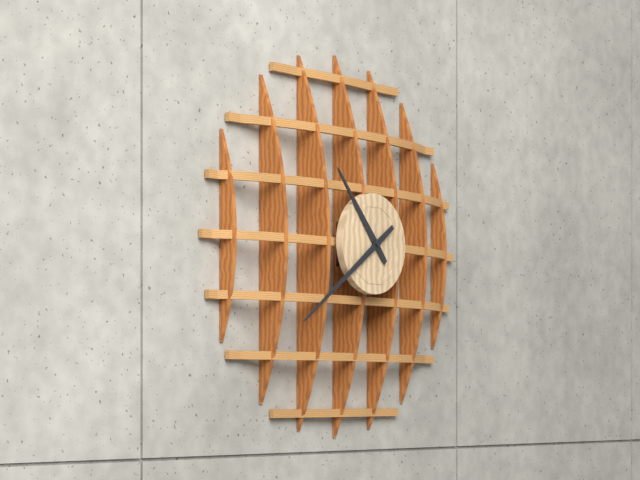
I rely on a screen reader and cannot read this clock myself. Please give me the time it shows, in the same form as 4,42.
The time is 10,39
